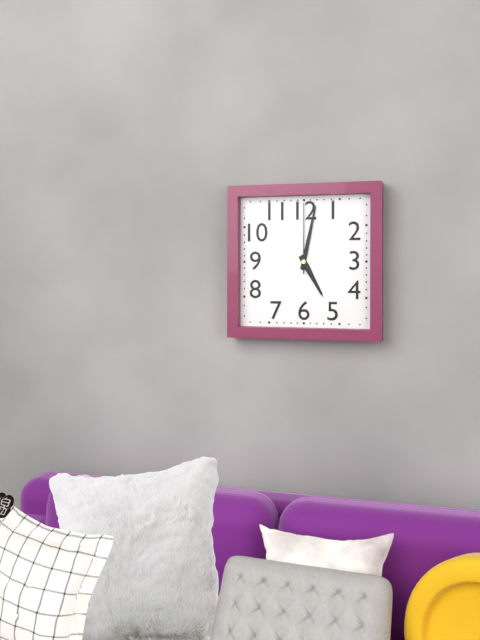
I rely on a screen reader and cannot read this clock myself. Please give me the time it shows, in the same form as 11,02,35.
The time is 5,02,00
